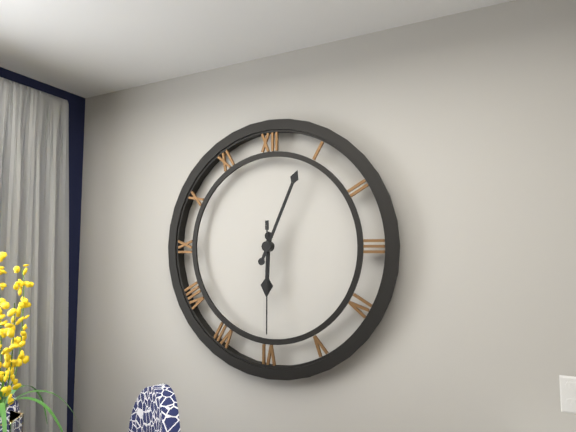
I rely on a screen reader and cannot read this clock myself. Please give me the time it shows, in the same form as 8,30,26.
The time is 6,04,30
